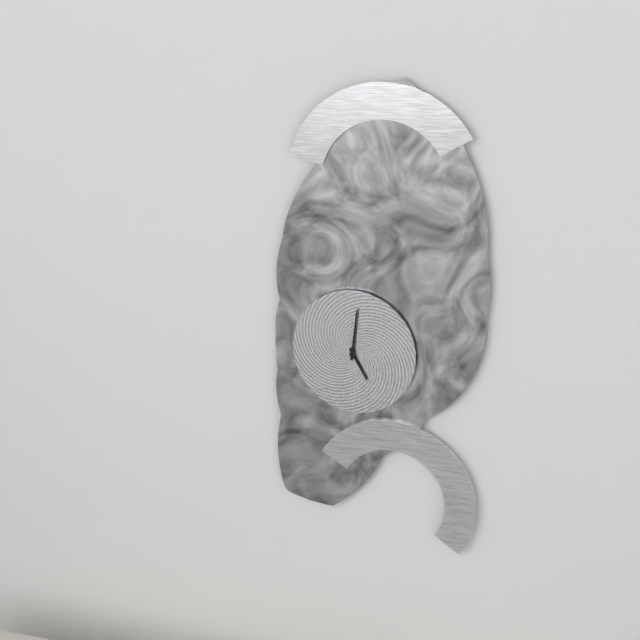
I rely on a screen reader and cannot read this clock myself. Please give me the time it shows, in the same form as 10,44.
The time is 5,01
